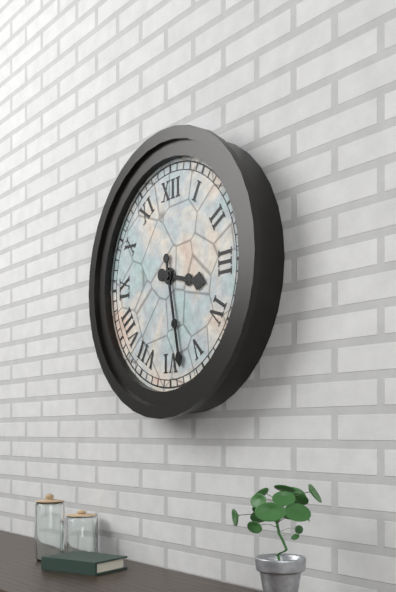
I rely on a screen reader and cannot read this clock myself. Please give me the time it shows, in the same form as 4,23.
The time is 3,28
